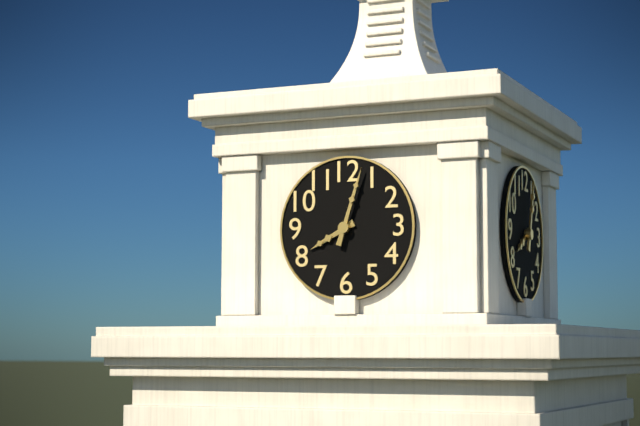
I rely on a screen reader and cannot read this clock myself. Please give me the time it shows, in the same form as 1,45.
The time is 8,03
